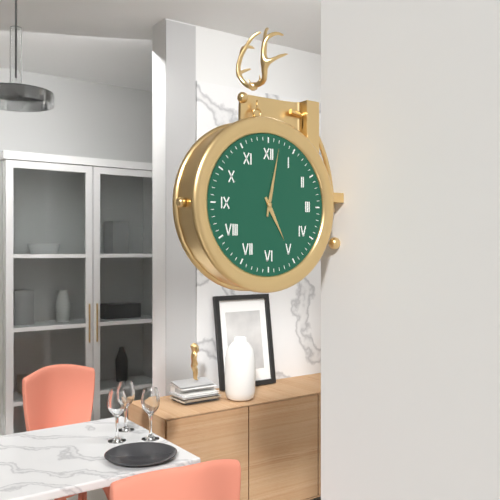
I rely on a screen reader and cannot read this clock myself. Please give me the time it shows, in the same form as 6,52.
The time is 5,02
